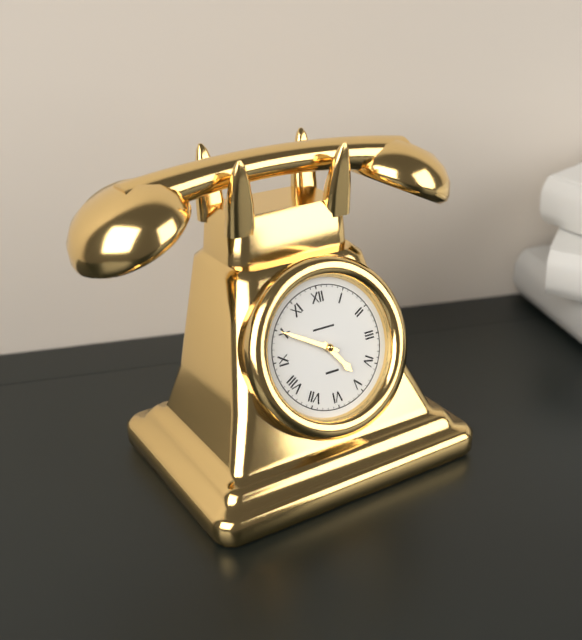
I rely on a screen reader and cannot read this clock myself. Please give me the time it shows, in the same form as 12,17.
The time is 4,50
